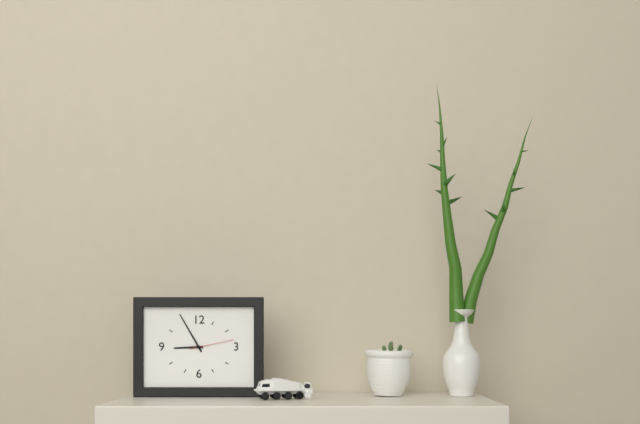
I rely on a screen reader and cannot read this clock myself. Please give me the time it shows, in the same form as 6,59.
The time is 8,55
